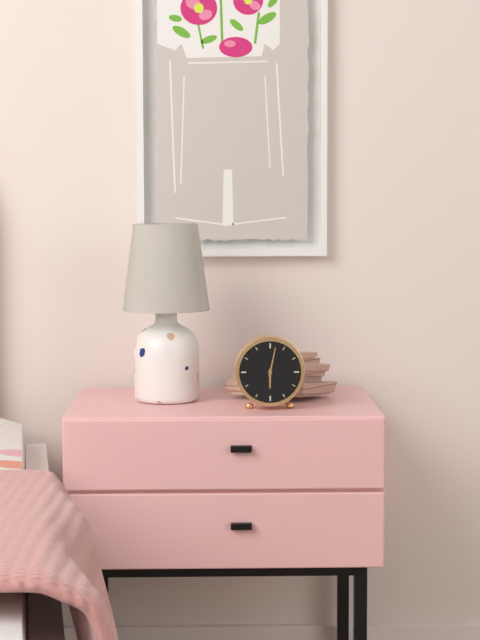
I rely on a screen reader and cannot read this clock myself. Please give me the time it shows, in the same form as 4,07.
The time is 6,02
